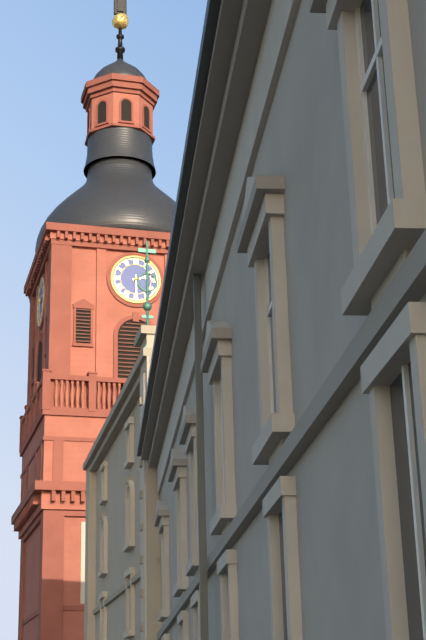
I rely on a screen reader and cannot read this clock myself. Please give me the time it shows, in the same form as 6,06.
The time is 2,30
